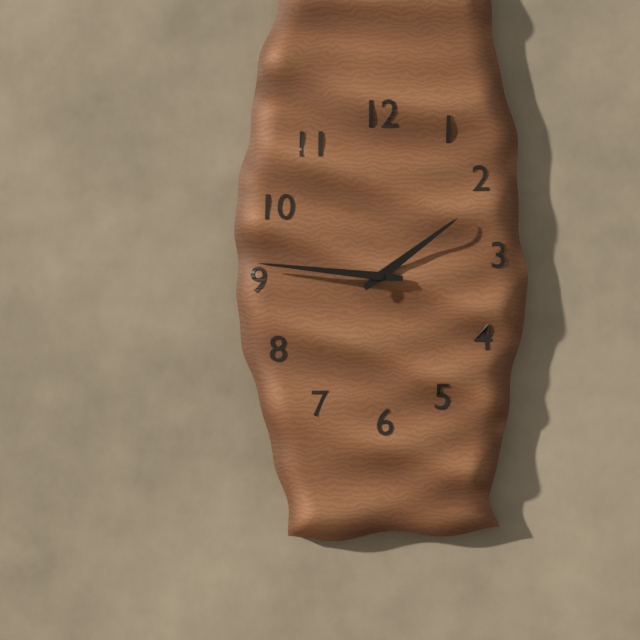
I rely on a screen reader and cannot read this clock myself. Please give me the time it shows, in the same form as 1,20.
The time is 1,46
